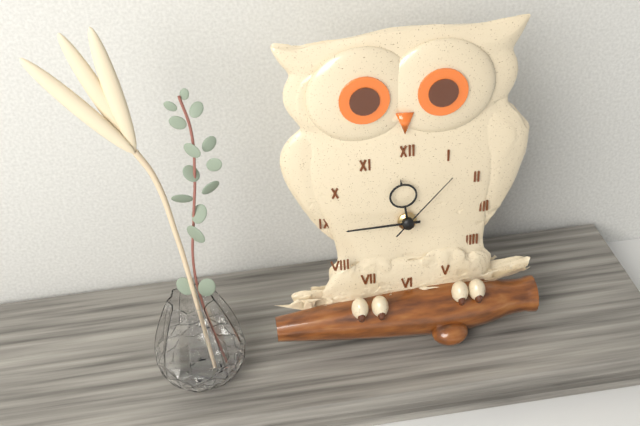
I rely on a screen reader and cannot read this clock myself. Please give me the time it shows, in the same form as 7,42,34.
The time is 11,45,07
